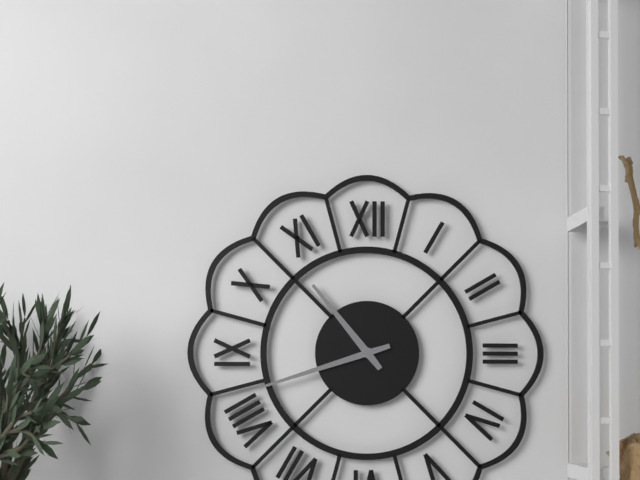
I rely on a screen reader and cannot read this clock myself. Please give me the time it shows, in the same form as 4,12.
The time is 10,42
